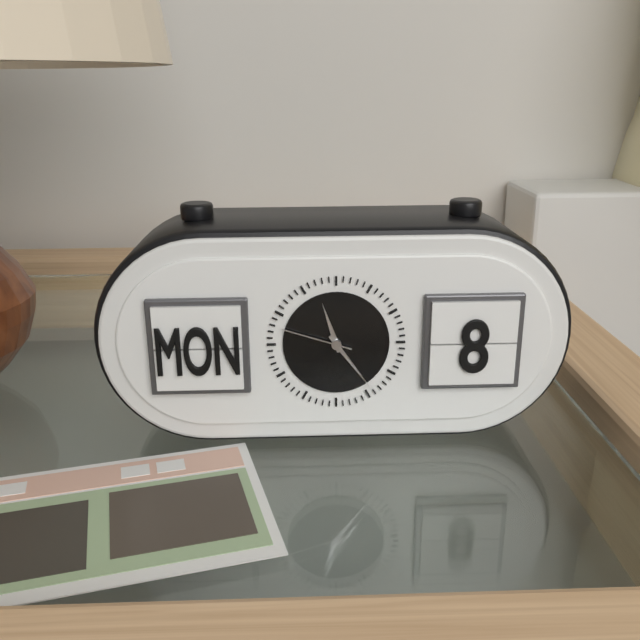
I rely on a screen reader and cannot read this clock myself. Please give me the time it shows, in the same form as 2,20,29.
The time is 11,24,48
